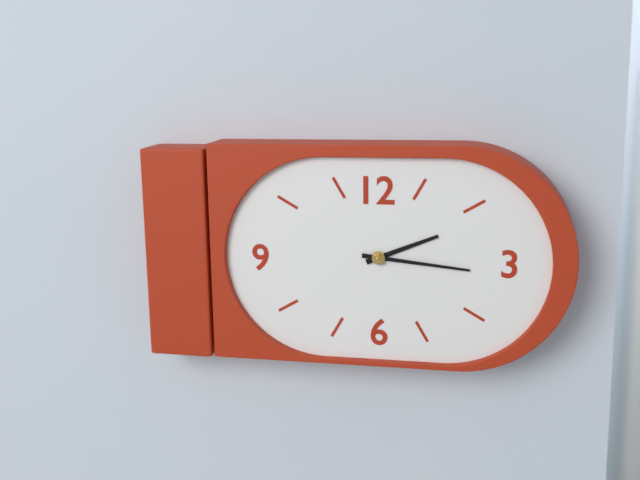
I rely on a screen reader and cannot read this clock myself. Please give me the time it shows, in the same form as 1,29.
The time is 2,16
